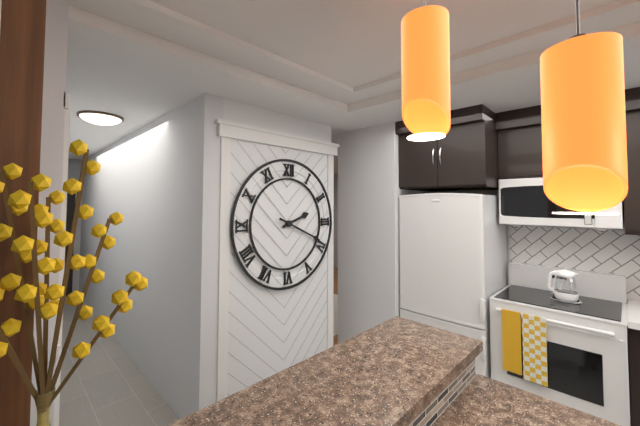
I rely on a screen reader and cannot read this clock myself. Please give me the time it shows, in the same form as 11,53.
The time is 2,19
